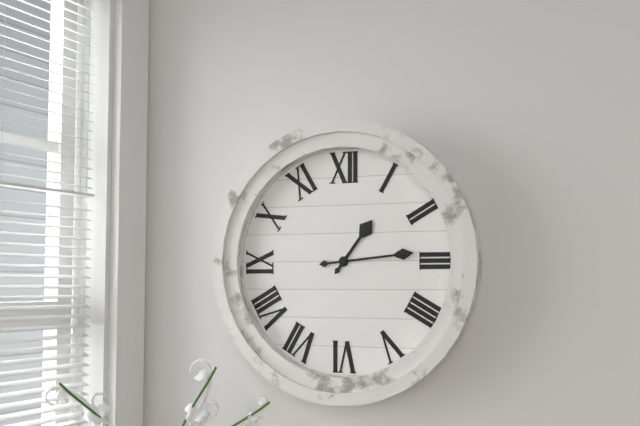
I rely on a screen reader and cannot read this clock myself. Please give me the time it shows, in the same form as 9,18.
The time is 1,14
